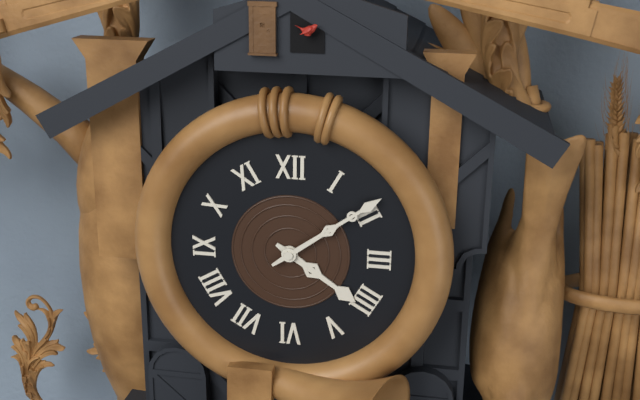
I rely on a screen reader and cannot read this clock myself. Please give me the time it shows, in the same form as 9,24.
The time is 4,09
